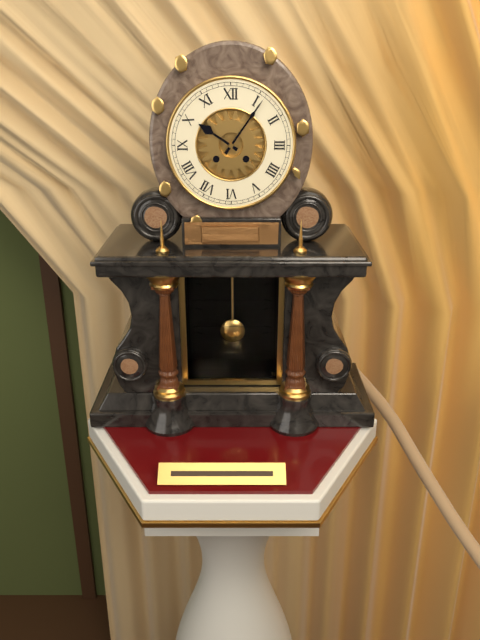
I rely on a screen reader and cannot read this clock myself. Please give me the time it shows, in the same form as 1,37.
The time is 10,06
